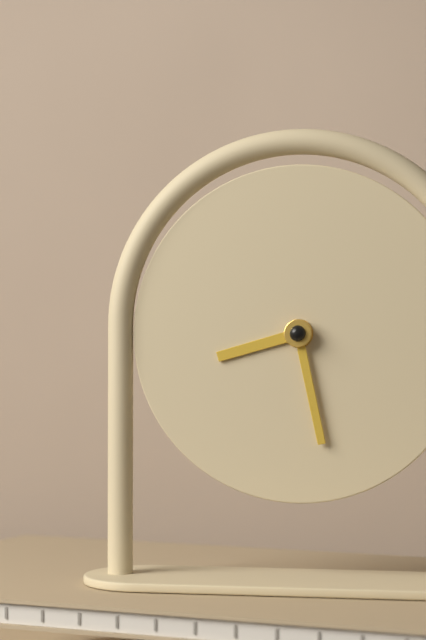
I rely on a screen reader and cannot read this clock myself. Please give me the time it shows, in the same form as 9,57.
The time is 8,28
